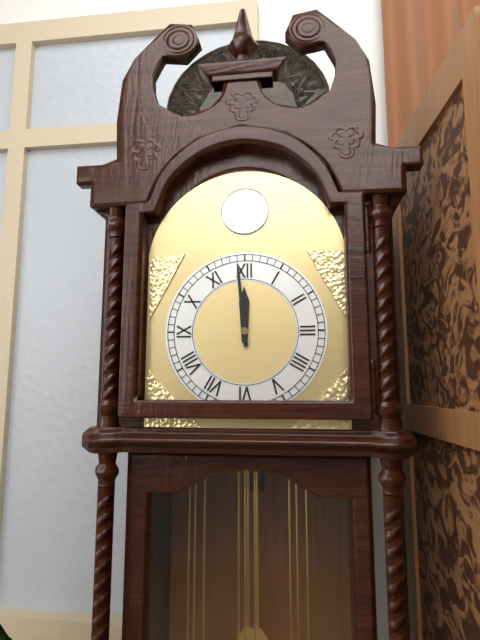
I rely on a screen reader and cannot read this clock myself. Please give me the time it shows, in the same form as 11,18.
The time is 11,59
